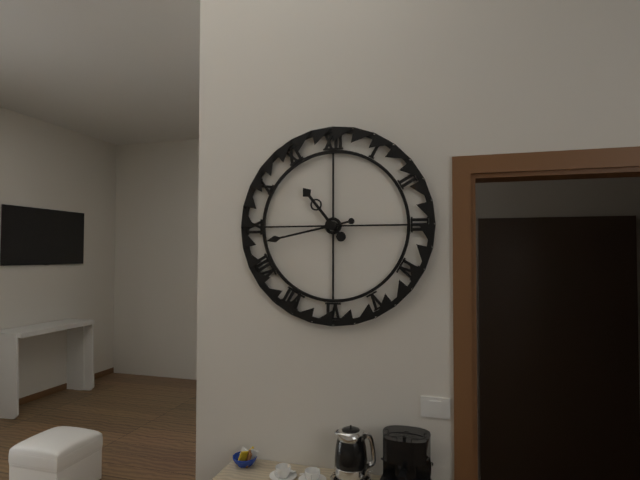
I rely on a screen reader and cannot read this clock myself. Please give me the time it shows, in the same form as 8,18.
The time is 10,43
